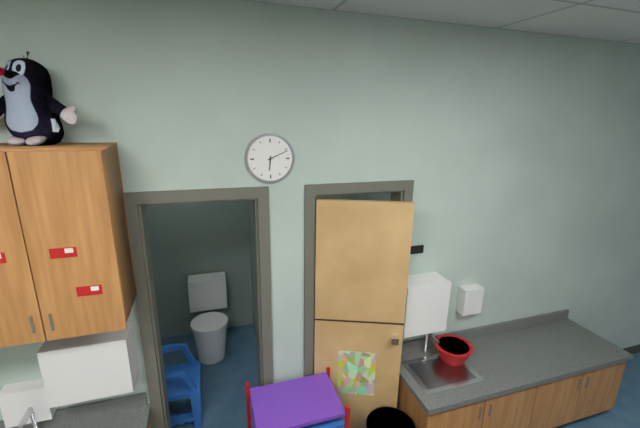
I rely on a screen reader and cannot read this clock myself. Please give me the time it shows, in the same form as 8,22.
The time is 6,11
